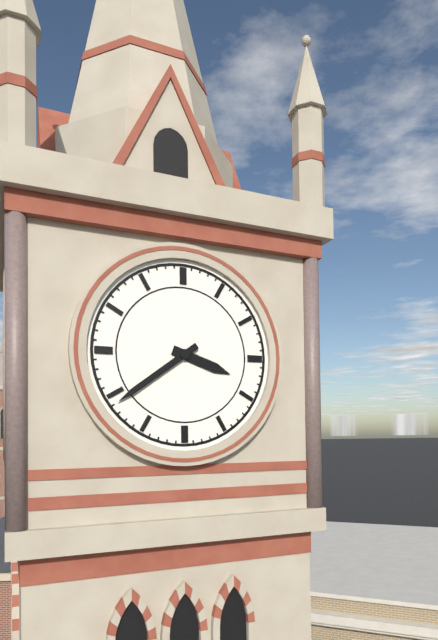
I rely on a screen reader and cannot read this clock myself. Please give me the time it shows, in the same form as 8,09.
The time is 3,39
